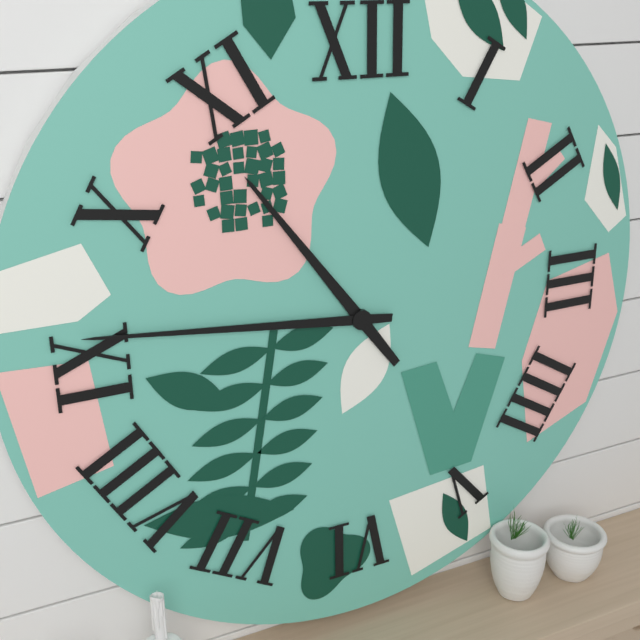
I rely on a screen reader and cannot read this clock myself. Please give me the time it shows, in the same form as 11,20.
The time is 10,46
